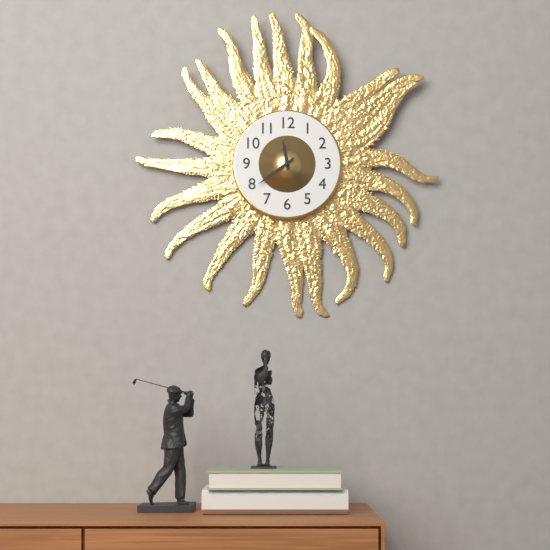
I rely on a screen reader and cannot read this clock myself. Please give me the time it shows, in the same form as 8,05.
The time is 11,39
